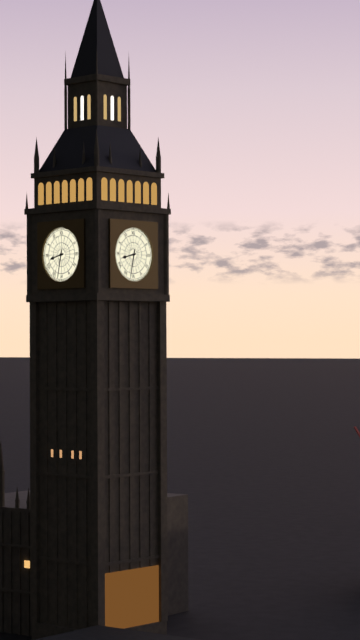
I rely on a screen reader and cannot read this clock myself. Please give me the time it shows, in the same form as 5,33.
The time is 8,32
